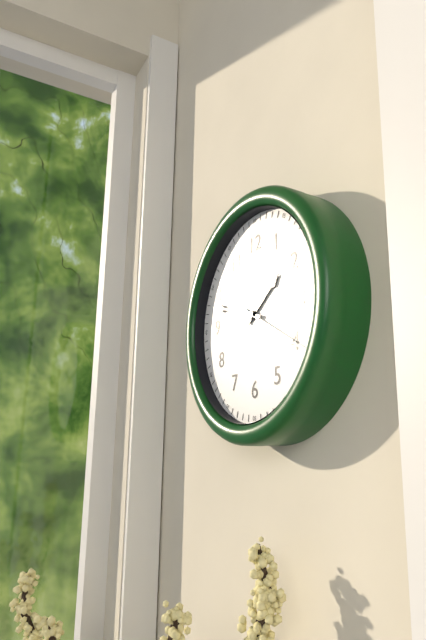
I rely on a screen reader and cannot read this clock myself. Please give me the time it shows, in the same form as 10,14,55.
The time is 1,48,20
